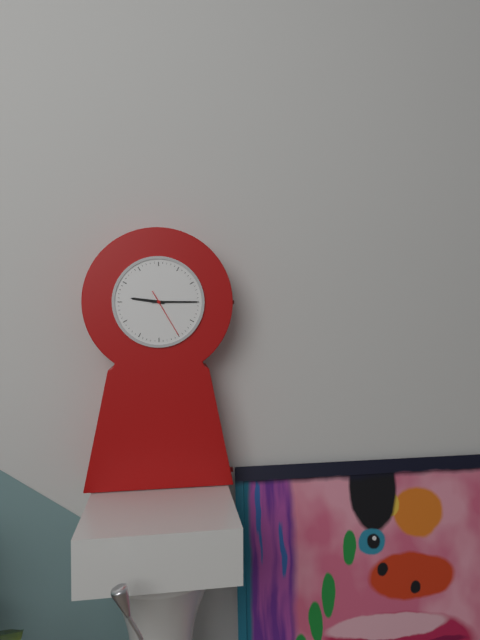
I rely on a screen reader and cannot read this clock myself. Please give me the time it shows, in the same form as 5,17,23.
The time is 9,15,25
